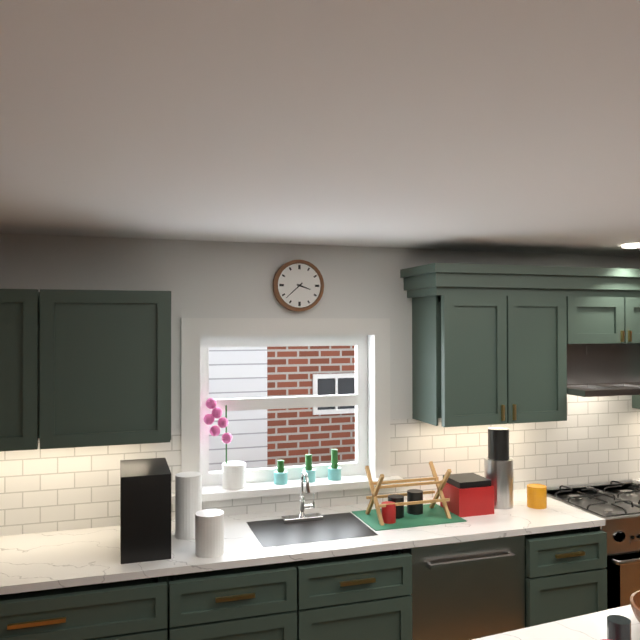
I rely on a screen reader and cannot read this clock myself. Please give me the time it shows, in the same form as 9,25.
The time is 3,38
